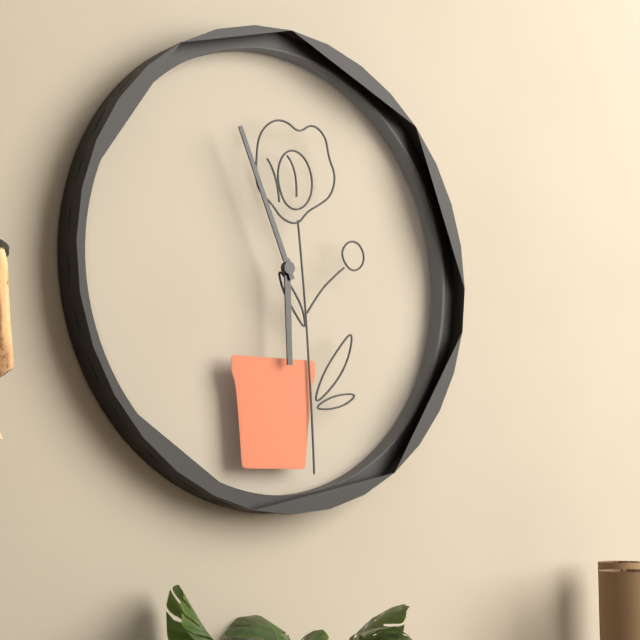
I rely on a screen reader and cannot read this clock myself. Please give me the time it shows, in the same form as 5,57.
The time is 5,56
